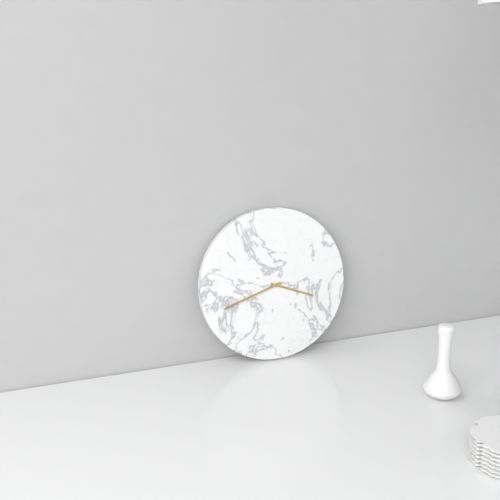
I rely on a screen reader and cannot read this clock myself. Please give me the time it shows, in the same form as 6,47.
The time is 3,42
